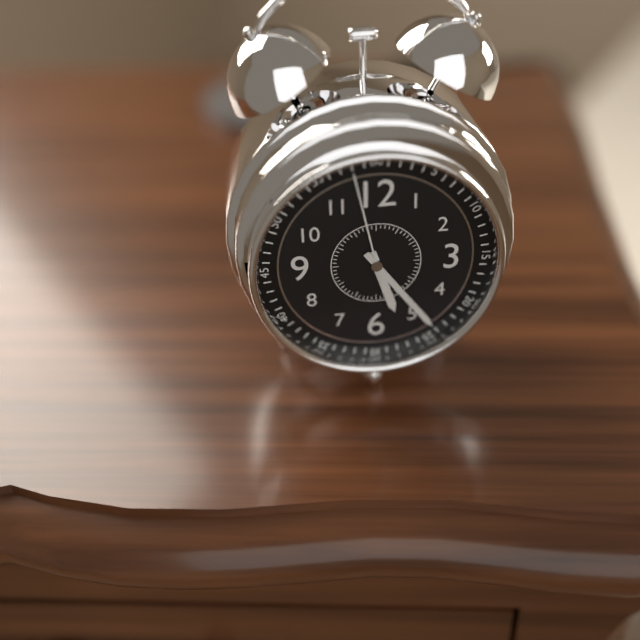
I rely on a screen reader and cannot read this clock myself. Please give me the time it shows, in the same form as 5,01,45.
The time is 5,24,58
